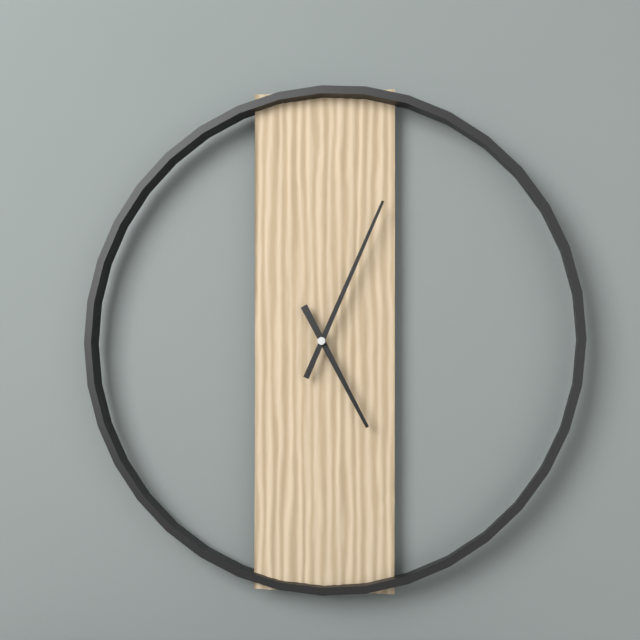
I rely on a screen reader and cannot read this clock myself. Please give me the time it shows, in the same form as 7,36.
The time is 5,04
